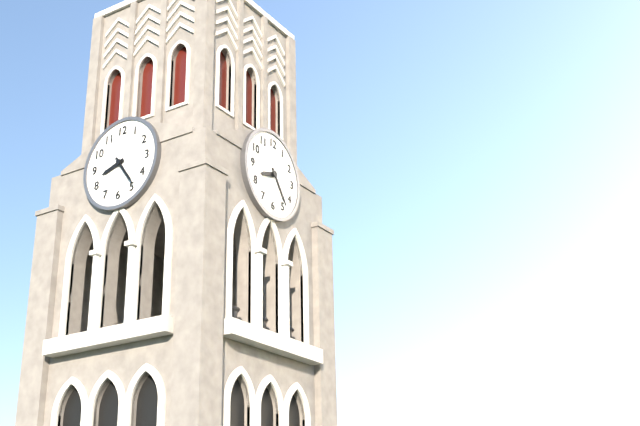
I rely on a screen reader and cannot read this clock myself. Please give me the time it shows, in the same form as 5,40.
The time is 8,24
